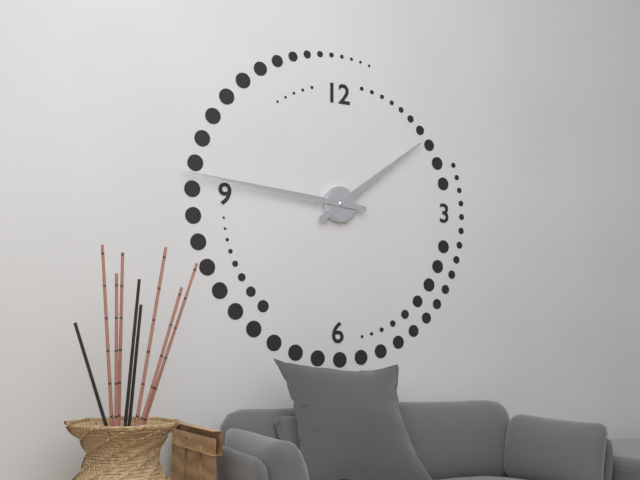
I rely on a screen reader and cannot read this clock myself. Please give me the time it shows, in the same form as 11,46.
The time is 1,46
